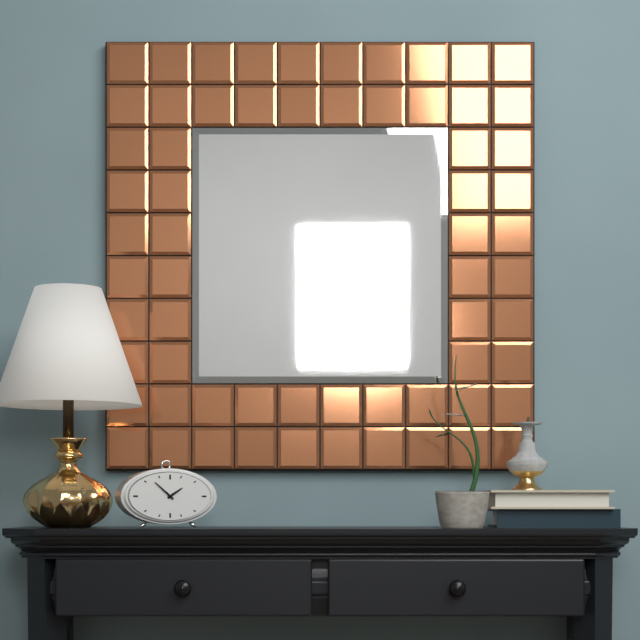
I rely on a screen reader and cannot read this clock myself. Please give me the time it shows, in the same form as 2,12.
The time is 1,52
